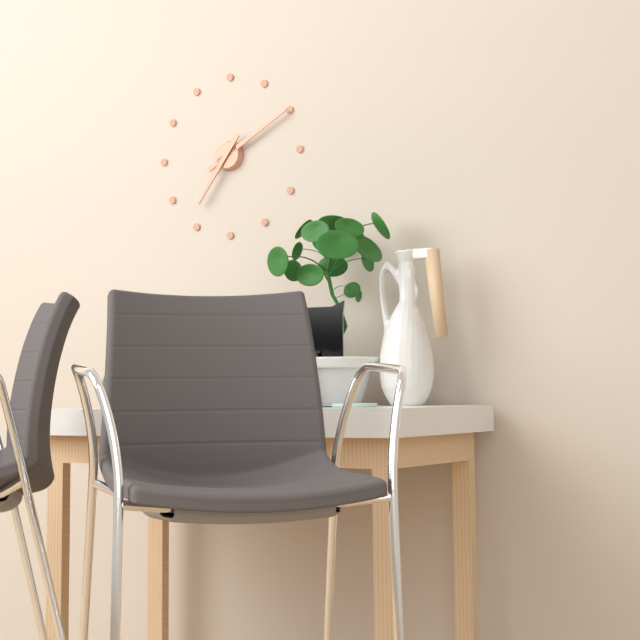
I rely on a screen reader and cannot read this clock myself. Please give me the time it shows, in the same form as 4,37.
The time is 7,10
